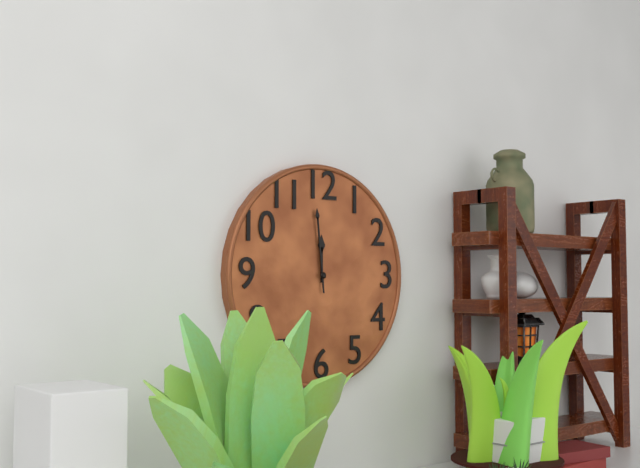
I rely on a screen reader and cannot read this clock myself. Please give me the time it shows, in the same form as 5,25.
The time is 11,59
